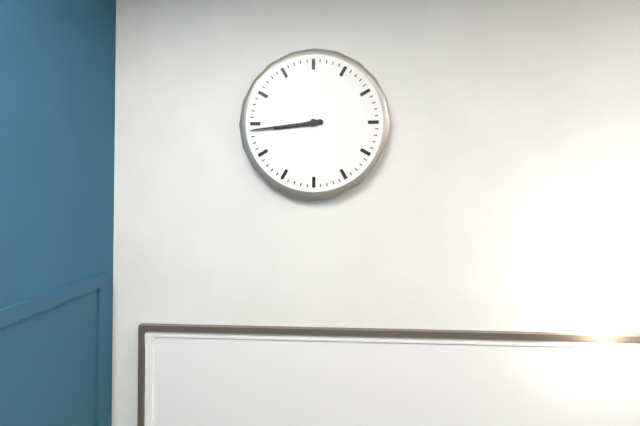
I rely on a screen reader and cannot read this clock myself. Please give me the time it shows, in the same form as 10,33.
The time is 8,44
